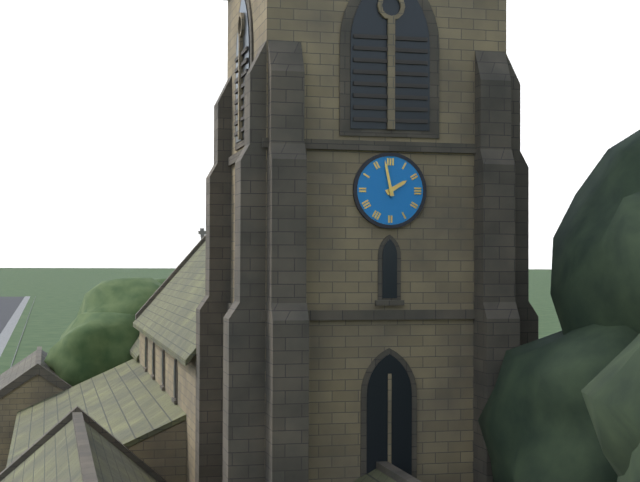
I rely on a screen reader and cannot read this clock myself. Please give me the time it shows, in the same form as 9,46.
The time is 1,58
